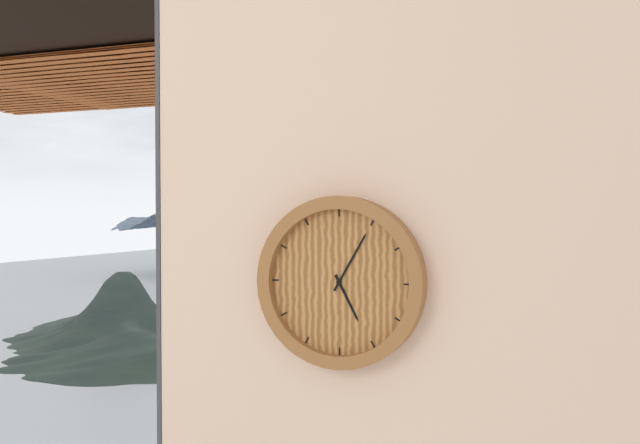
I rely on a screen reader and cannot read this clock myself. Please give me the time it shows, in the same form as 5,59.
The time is 5,05
